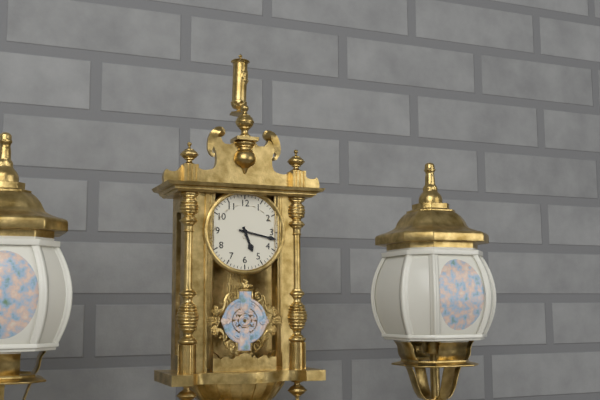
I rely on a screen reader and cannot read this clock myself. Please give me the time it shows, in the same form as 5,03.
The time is 5,17
